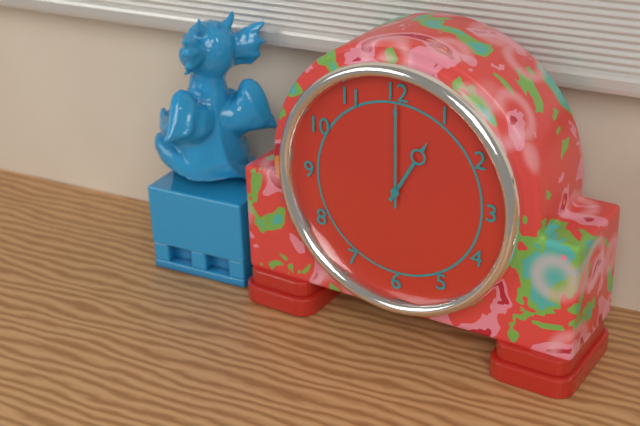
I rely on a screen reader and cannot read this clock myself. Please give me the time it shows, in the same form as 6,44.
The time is 1,00
